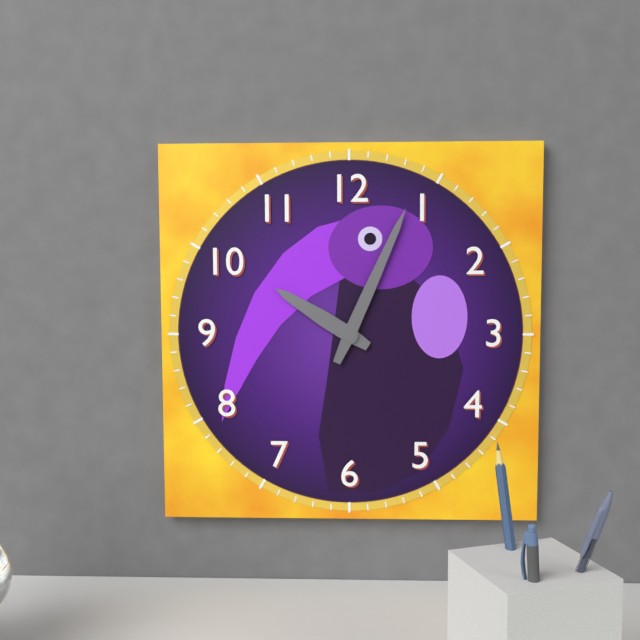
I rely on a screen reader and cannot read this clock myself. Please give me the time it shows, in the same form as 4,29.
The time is 10,04
